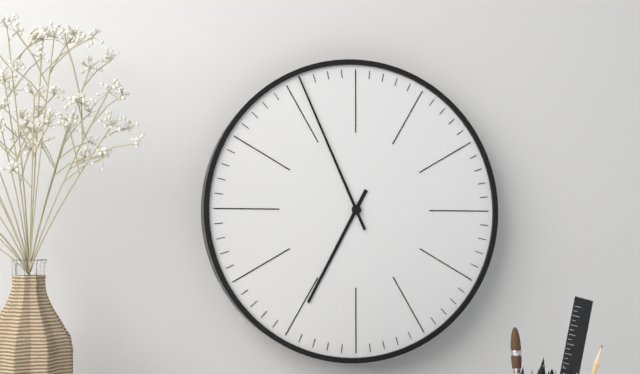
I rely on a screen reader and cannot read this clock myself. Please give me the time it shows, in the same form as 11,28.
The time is 6,56
